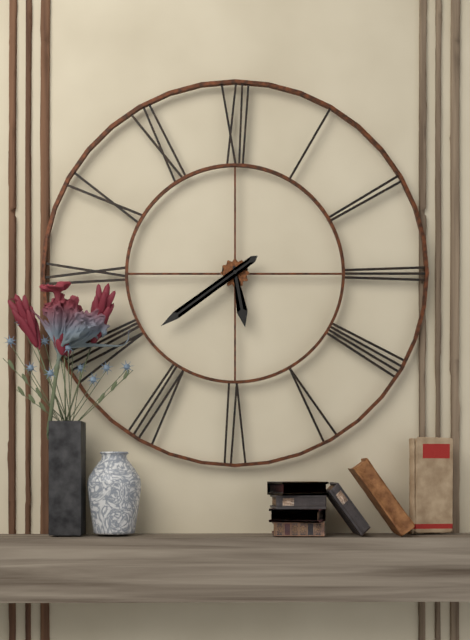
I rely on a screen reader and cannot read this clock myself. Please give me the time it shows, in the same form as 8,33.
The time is 5,39
